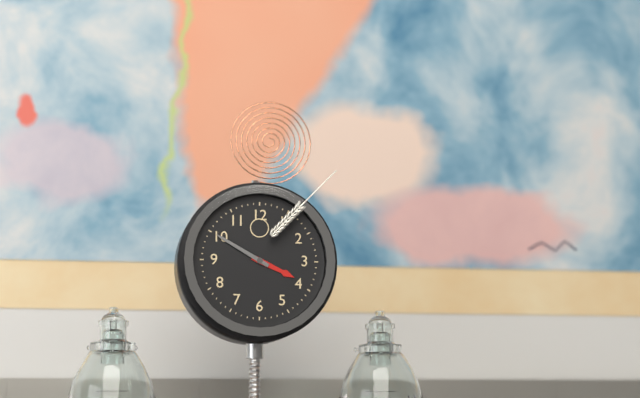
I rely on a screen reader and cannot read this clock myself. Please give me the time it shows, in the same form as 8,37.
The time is 3,50
